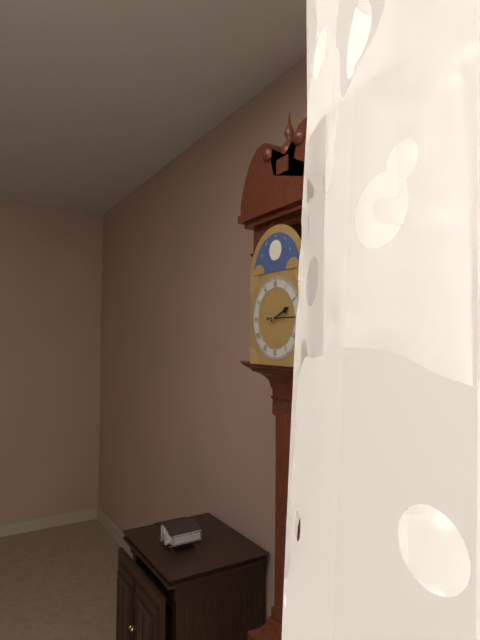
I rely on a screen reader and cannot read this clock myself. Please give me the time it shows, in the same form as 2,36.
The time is 2,15
